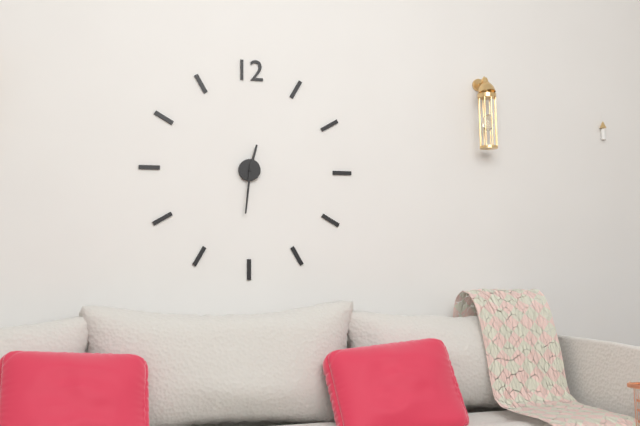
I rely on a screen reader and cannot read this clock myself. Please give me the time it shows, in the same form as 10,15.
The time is 12,31
